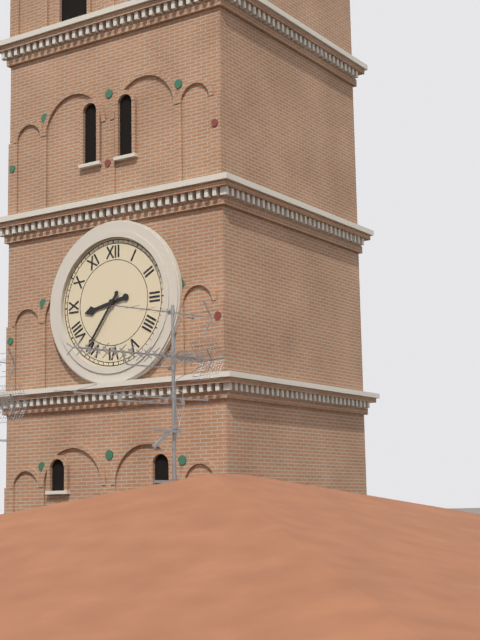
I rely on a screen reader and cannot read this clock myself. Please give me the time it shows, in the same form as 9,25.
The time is 8,36
